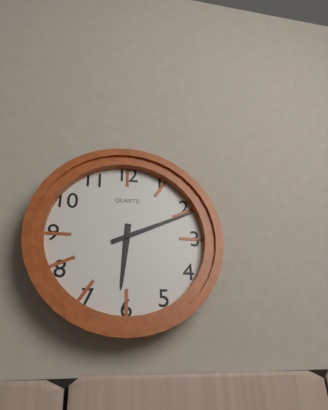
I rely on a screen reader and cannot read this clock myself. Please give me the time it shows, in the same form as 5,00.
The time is 6,11
